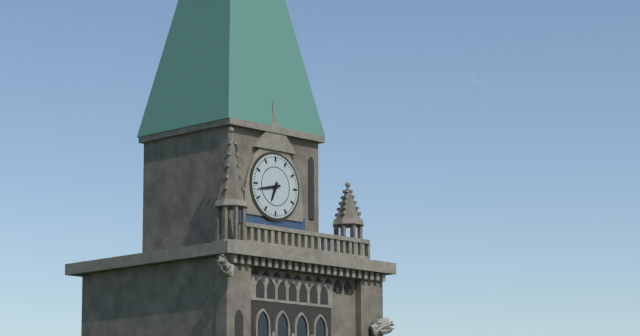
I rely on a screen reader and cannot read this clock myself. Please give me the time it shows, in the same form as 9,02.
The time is 6,43
